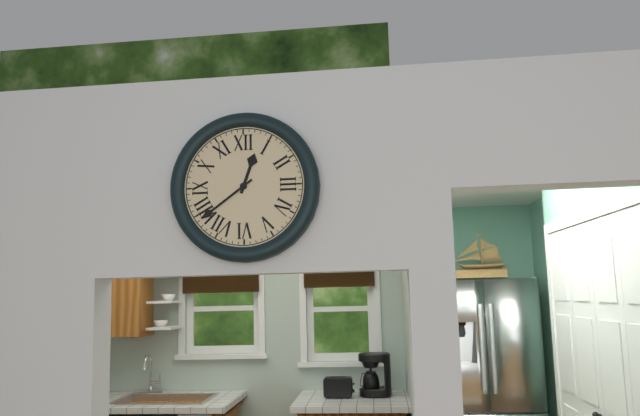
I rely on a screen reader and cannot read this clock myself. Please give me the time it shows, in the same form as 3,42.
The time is 12,39
